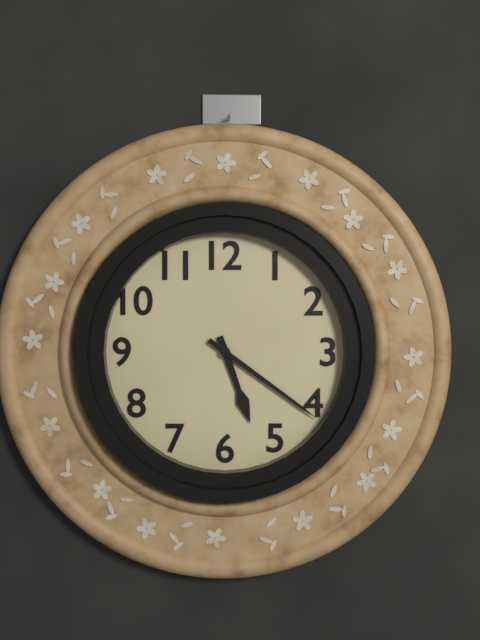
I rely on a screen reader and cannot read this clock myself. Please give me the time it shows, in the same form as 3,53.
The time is 5,21
